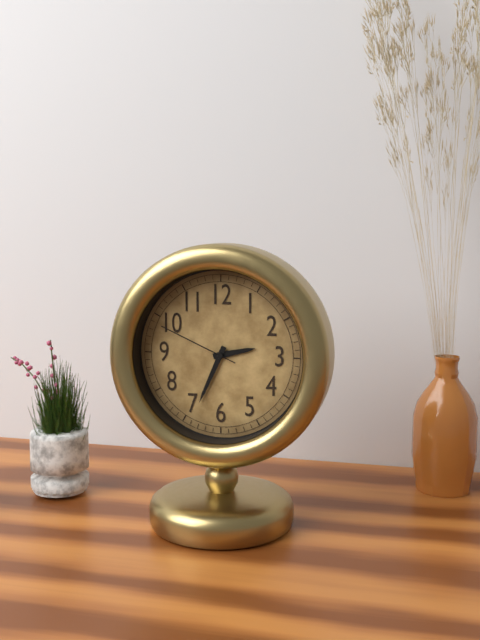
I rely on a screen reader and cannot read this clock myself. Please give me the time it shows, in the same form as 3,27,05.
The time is 2,34,49
